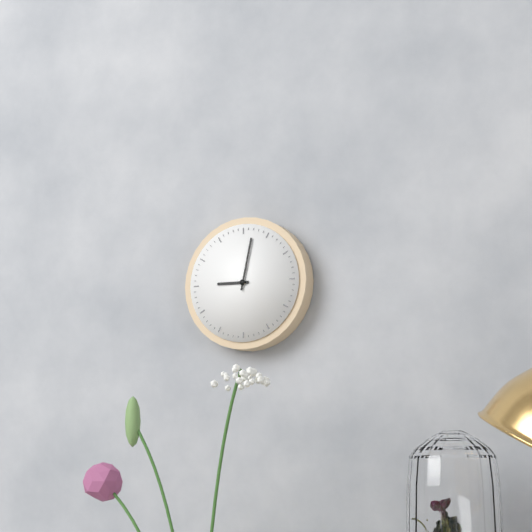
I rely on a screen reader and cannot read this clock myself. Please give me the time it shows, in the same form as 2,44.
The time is 9,02
